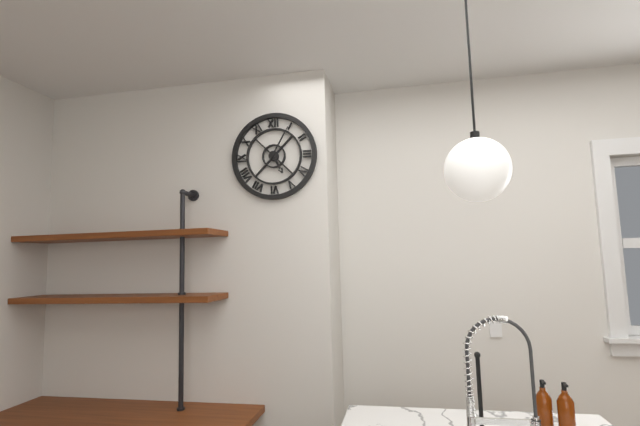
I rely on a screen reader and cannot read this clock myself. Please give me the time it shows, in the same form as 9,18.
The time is 5,05
